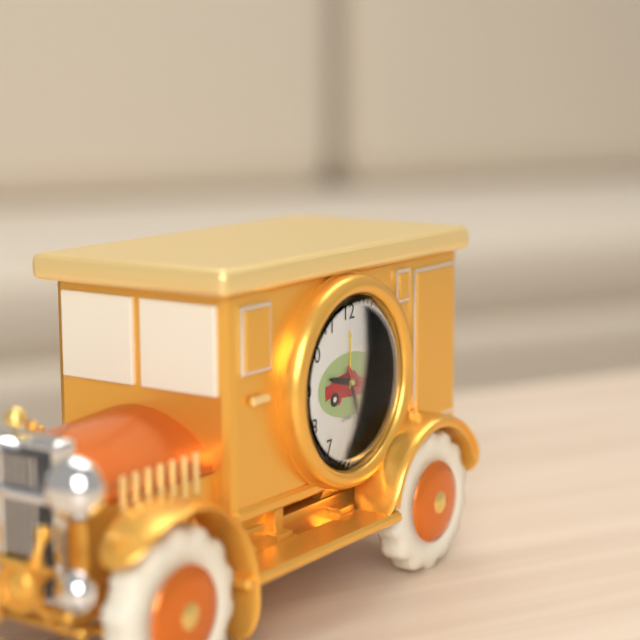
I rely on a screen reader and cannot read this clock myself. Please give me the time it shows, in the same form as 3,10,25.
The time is 9,27,26
